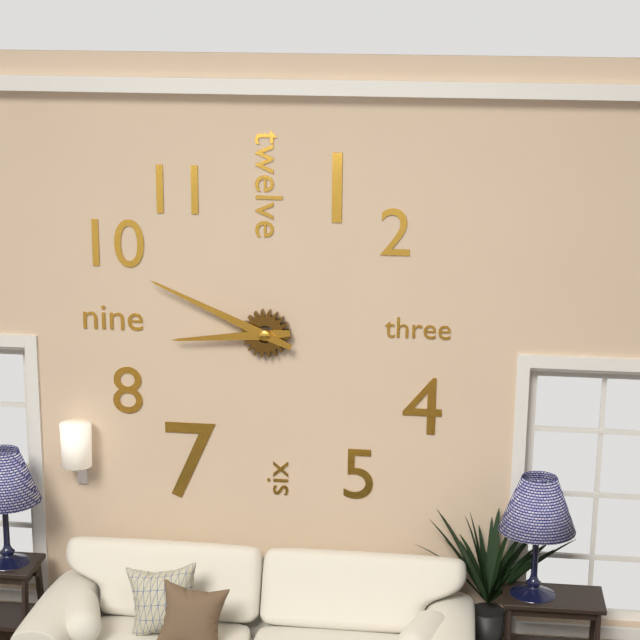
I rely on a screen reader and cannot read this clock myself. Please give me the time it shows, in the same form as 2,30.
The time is 8,49
